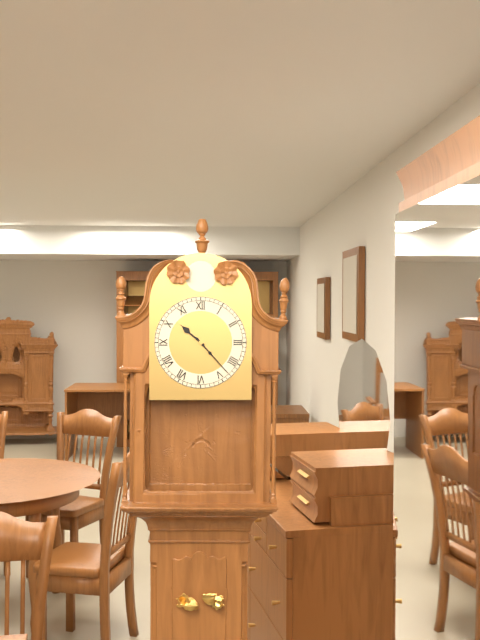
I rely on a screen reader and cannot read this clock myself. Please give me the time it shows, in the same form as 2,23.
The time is 10,23
